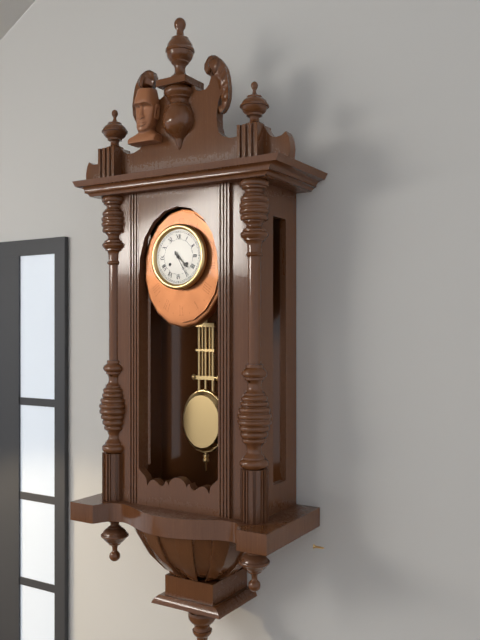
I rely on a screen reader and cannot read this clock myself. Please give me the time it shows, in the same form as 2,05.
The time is 4,25
